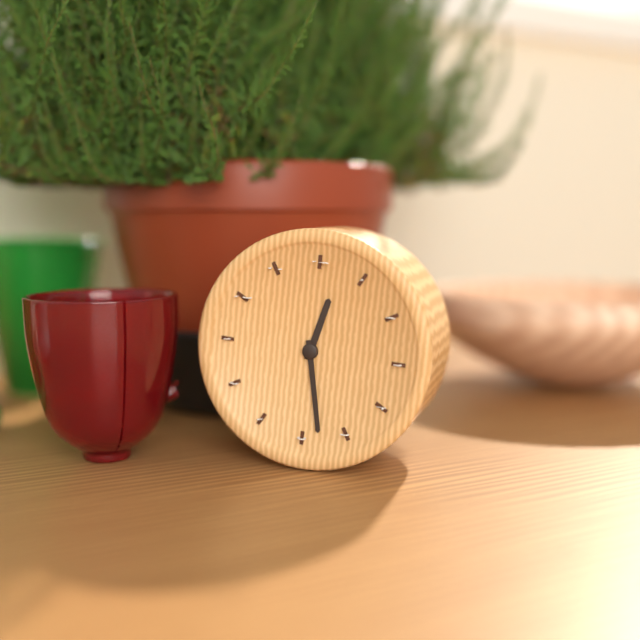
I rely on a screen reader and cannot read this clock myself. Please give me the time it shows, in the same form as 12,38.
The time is 12,28
